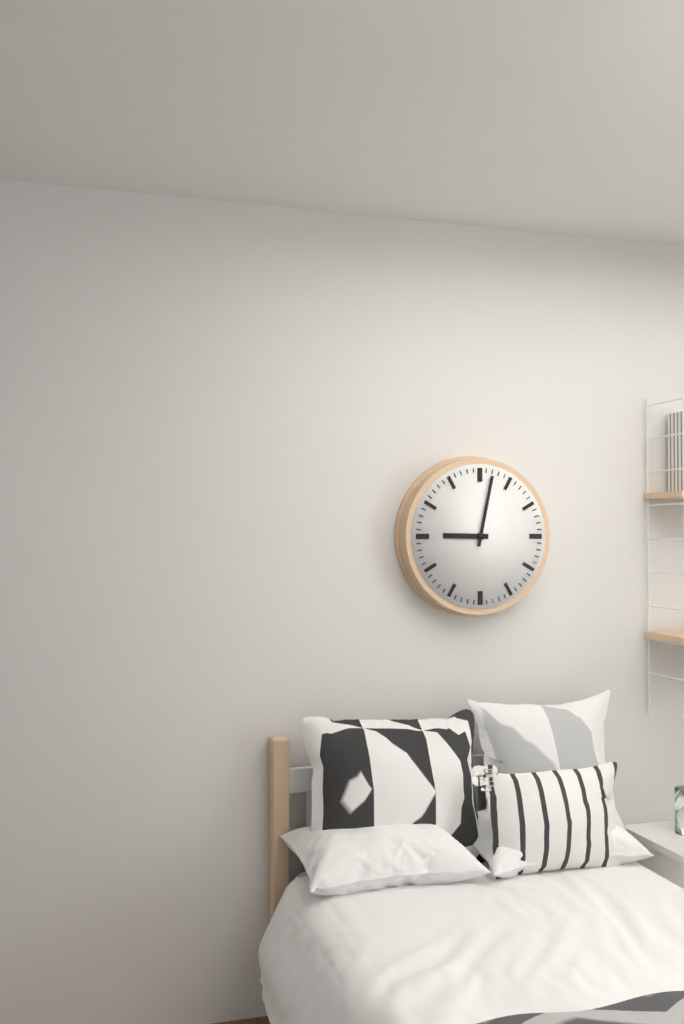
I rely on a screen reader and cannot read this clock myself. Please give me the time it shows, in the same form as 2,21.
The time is 9,02
